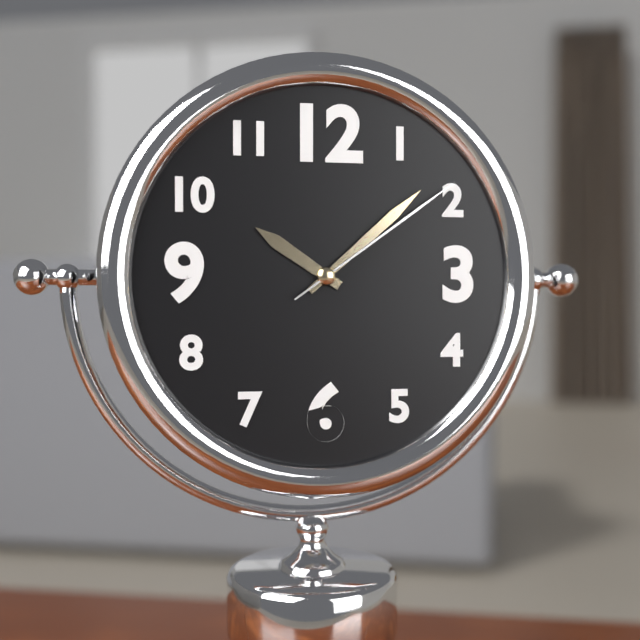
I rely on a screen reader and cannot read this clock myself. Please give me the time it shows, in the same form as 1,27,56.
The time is 10,08,09
